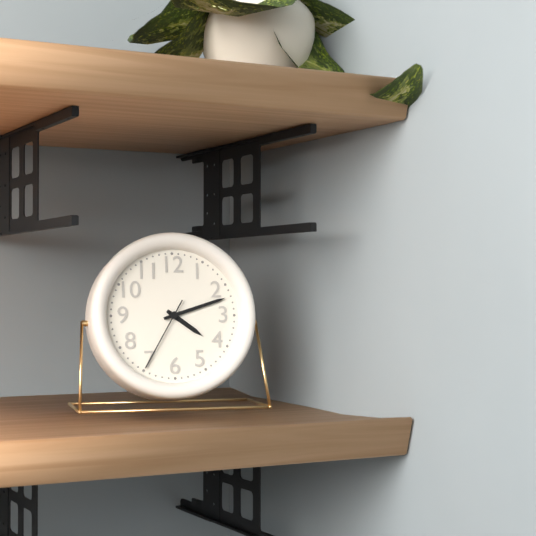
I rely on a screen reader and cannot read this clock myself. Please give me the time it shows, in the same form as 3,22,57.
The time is 4,12,35
